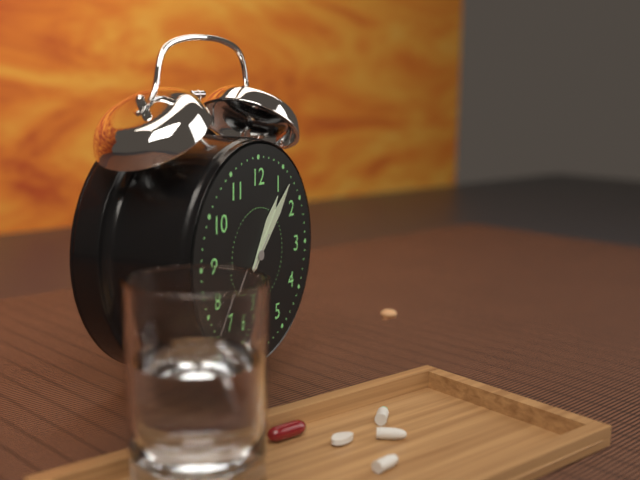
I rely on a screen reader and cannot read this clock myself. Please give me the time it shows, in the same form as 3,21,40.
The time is 1,07,37
